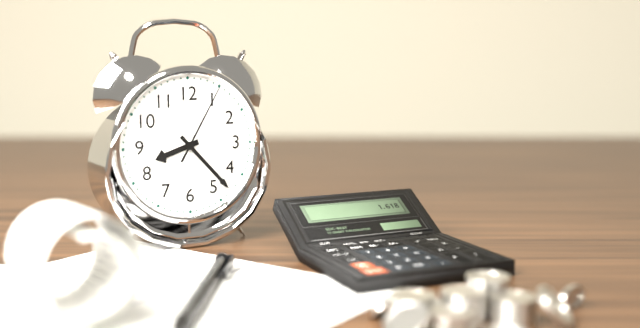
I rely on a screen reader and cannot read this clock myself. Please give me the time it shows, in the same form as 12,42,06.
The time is 8,23,05
